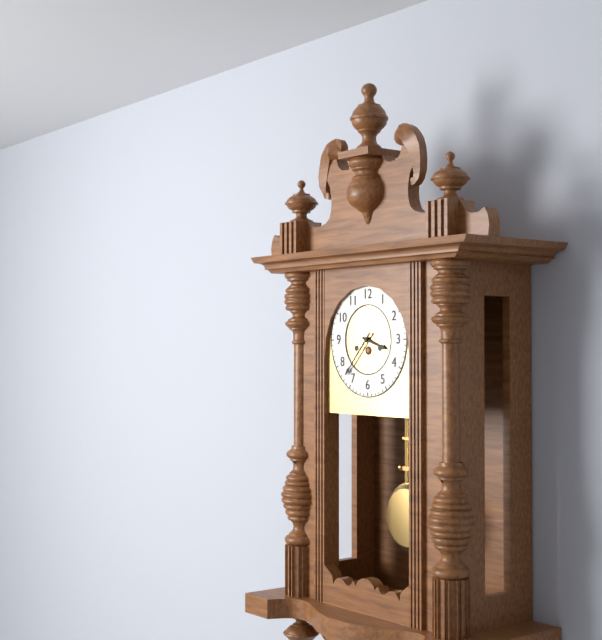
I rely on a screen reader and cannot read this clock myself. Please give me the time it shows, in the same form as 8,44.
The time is 3,37
